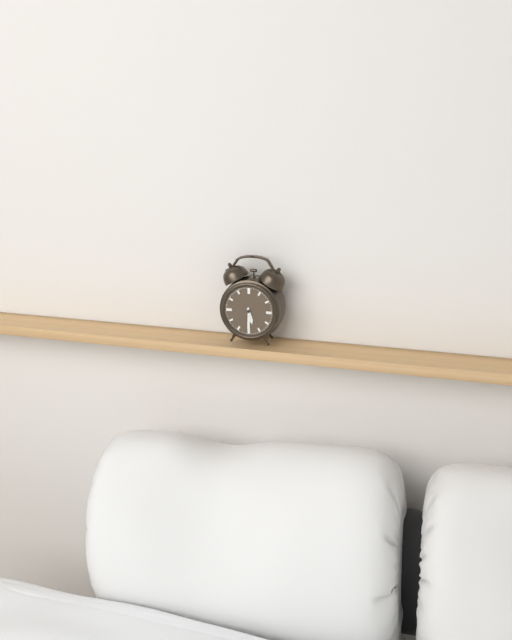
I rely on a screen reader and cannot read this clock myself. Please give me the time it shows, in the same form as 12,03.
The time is 5,30
